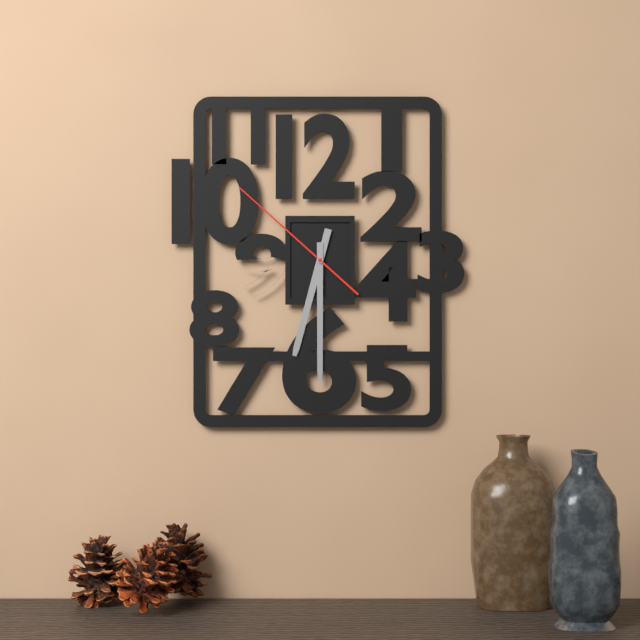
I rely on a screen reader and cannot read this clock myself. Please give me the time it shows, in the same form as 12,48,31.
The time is 6,30,52
